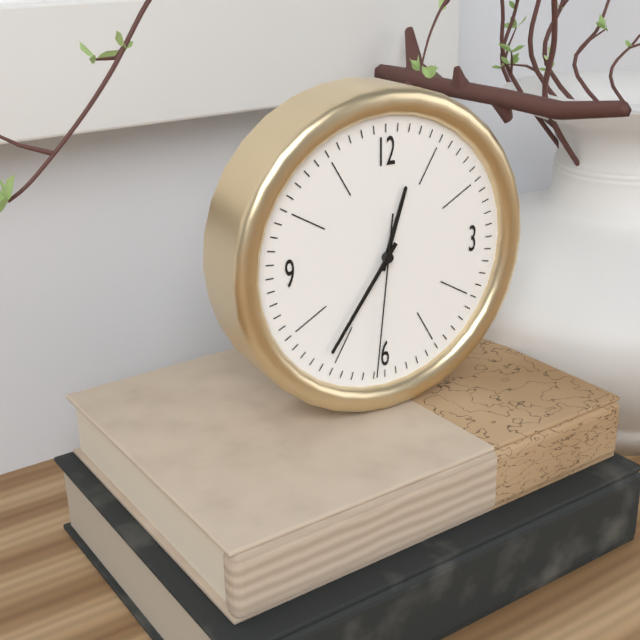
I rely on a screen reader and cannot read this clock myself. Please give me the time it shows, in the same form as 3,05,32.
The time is 12,36,31
